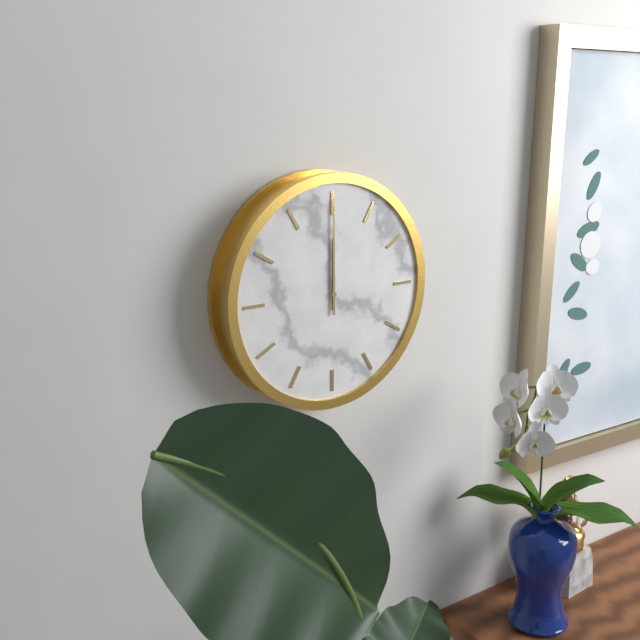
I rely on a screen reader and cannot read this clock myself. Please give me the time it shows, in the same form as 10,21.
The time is 12,00
